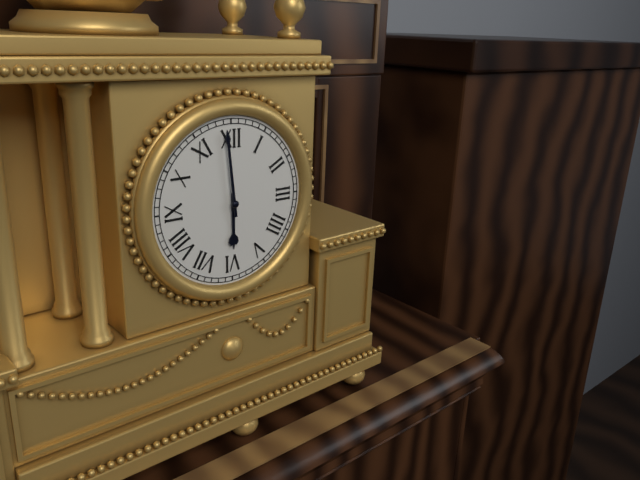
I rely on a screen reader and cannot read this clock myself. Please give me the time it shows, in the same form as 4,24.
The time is 5,59
